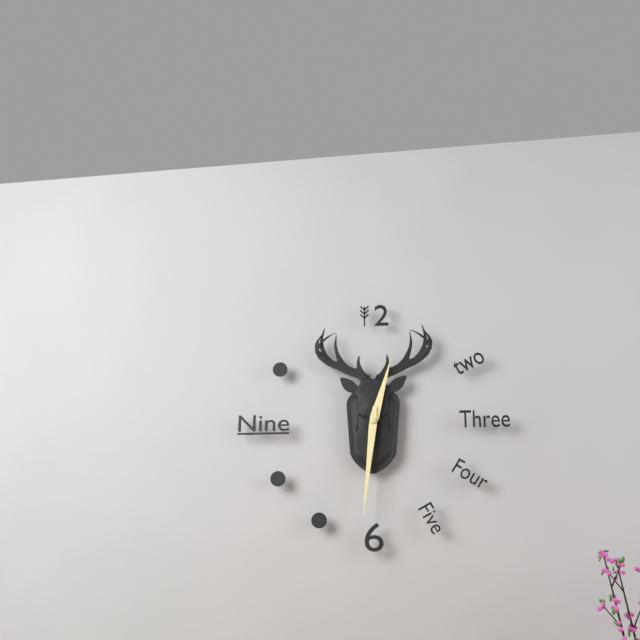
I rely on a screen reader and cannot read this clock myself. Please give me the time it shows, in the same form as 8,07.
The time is 12,31
